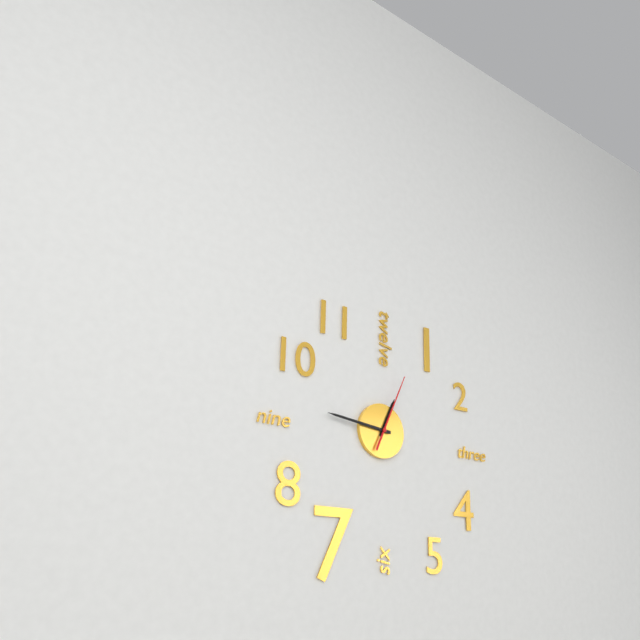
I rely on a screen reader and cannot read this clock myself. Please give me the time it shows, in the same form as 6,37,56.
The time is 12,46,04
